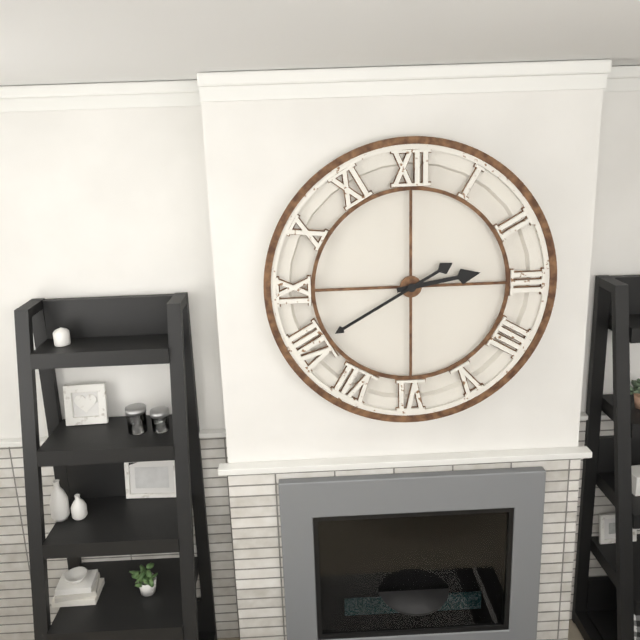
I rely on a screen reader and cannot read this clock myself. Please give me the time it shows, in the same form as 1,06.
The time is 2,40
